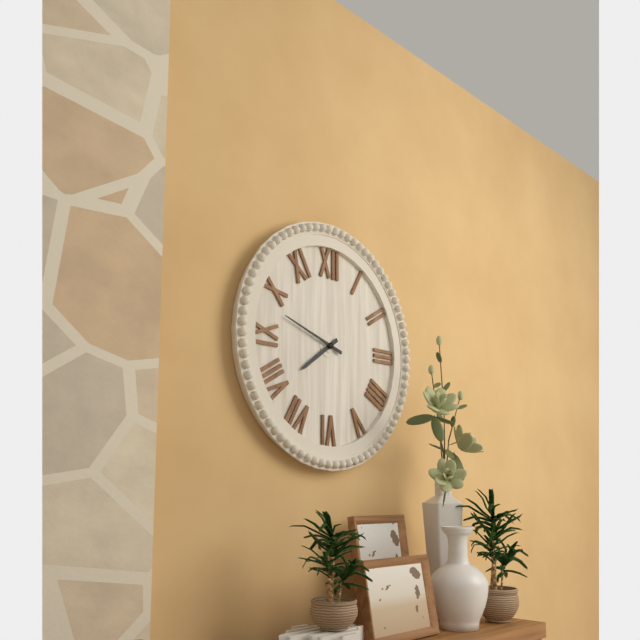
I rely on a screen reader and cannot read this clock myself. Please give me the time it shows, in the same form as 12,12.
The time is 7,48
